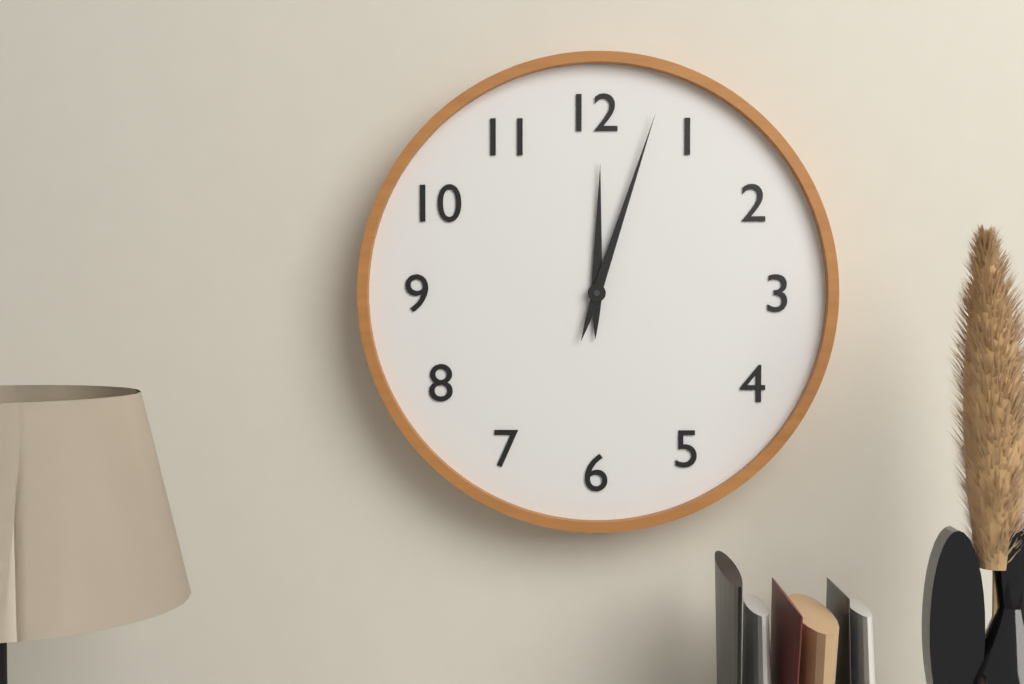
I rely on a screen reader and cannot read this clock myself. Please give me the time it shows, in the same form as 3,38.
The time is 12,03
